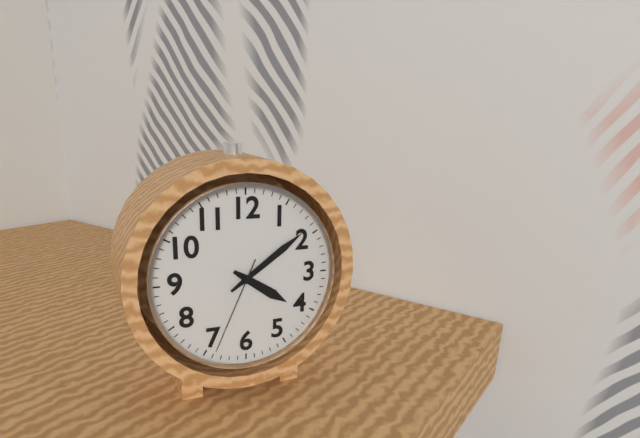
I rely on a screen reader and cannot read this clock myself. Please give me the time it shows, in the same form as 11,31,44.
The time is 4,09,34
